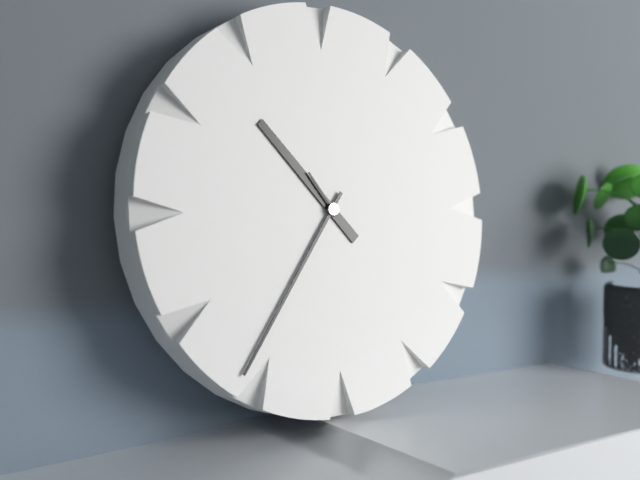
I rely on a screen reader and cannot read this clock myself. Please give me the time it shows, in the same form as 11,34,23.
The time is 10,36,54
